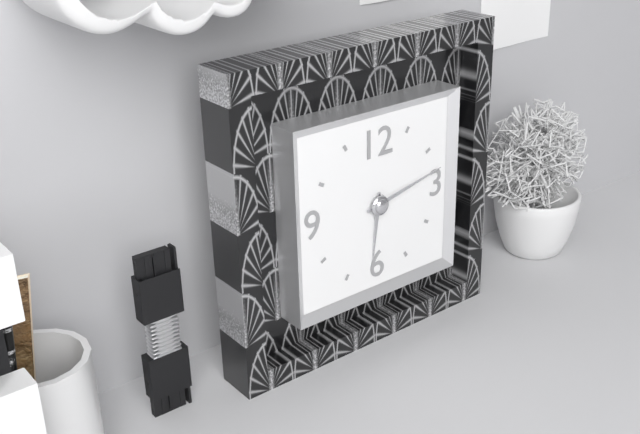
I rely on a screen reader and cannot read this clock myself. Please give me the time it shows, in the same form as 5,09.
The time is 6,13
